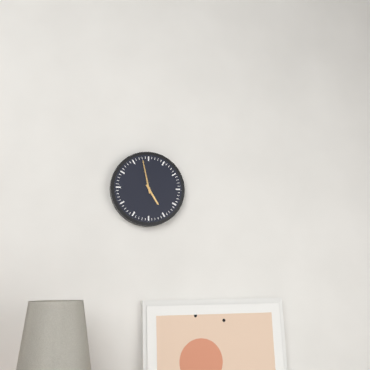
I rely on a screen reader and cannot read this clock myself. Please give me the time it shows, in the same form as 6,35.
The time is 4,58
